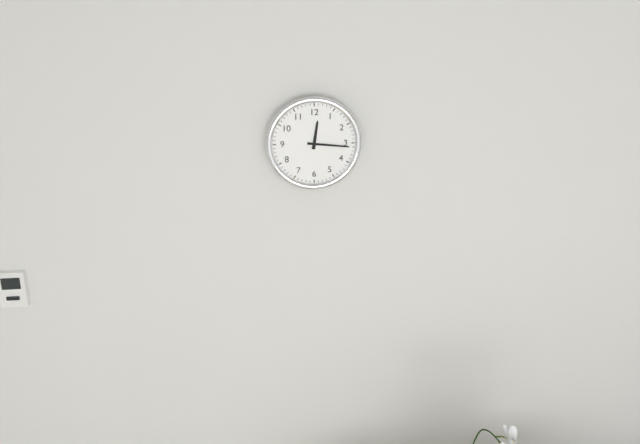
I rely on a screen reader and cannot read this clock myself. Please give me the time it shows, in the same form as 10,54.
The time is 12,16
